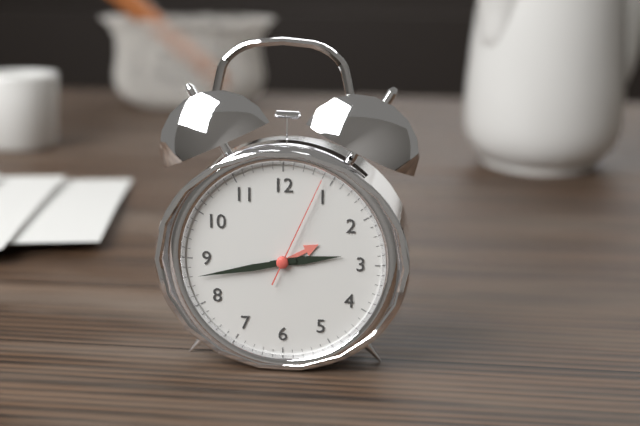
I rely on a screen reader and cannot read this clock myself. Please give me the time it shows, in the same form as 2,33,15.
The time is 2,43,04
